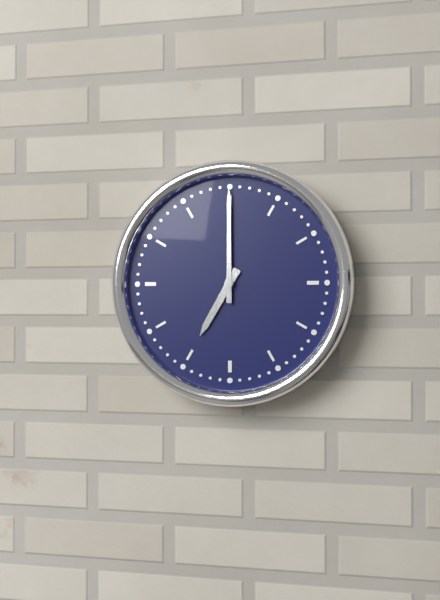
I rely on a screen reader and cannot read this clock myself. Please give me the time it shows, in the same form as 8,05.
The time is 7,00
